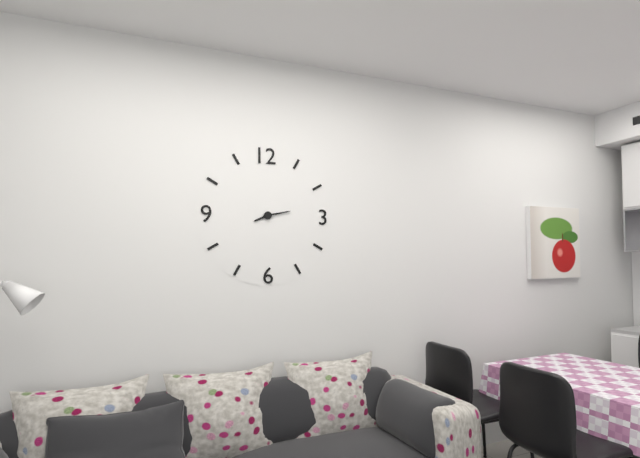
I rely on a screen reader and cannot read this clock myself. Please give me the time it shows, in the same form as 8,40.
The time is 8,13
